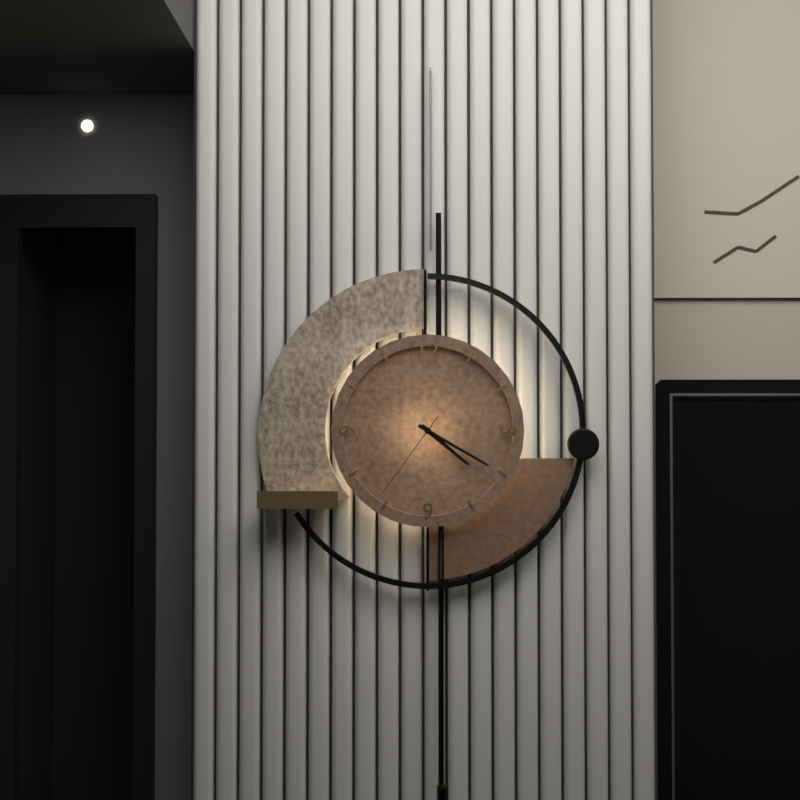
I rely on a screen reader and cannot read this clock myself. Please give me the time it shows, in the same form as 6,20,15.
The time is 4,20,36
